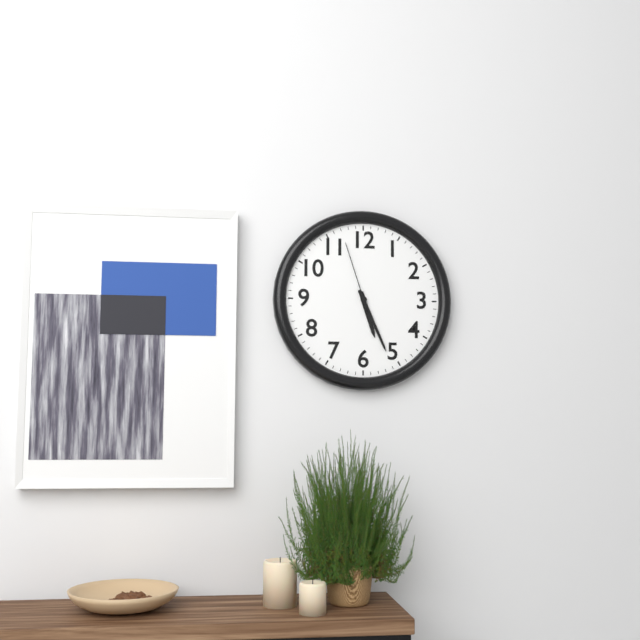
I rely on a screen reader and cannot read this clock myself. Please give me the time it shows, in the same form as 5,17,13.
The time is 5,26,57
